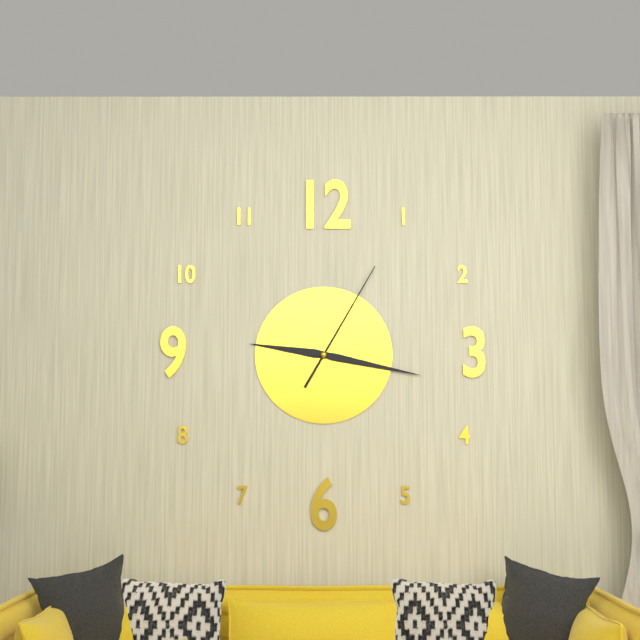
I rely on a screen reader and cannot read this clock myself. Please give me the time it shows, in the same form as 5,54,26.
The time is 9,17,05
